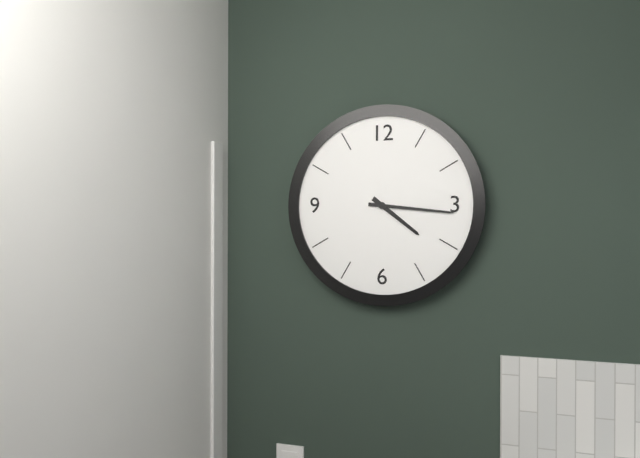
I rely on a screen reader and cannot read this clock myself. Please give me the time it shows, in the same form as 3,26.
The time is 4,16
